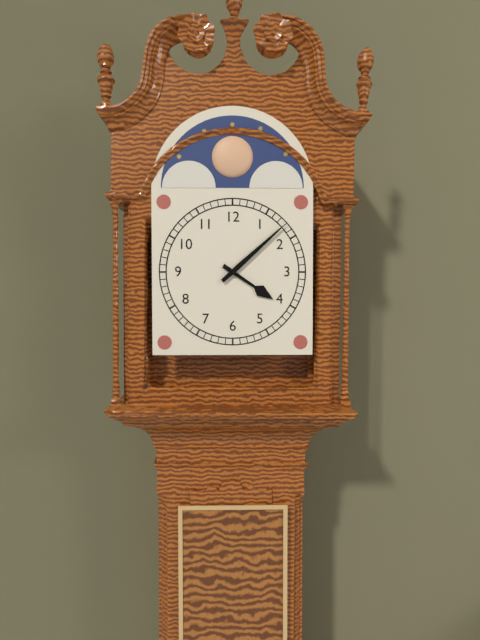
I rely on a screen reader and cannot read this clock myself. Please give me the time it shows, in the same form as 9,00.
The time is 4,08
